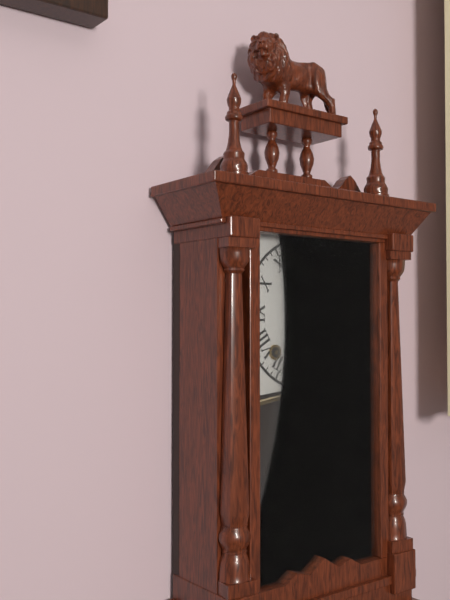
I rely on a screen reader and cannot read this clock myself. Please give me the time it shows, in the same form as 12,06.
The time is 1,08
